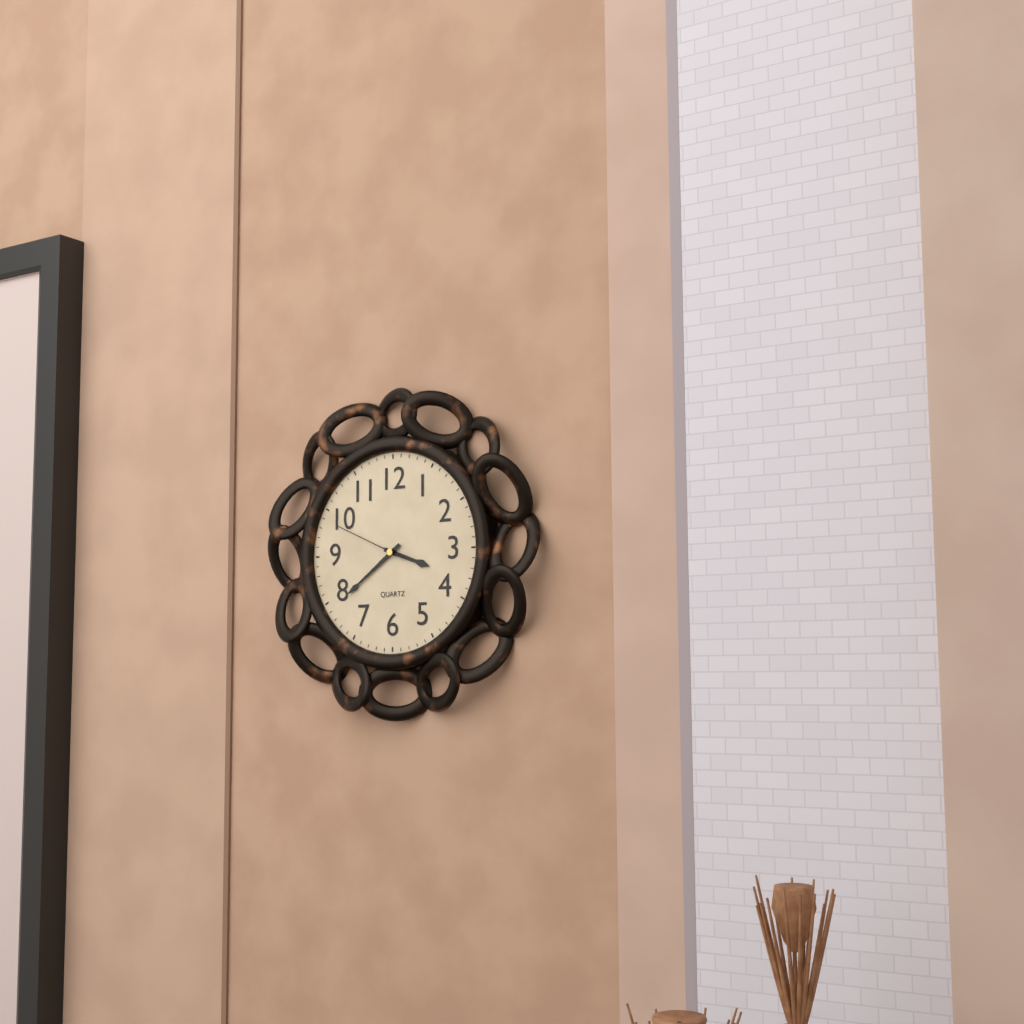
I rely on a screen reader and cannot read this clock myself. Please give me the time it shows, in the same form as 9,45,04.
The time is 3,39,49
